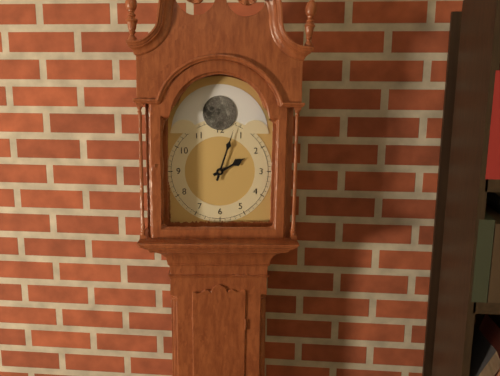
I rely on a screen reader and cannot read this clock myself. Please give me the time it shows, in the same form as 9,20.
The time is 2,03
